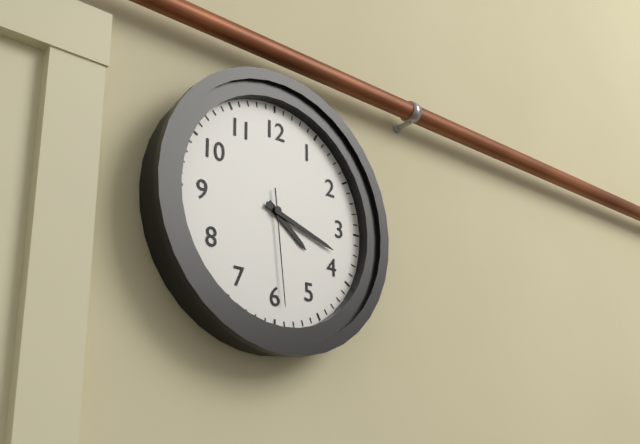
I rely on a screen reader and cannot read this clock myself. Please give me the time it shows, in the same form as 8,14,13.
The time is 4,18,29
